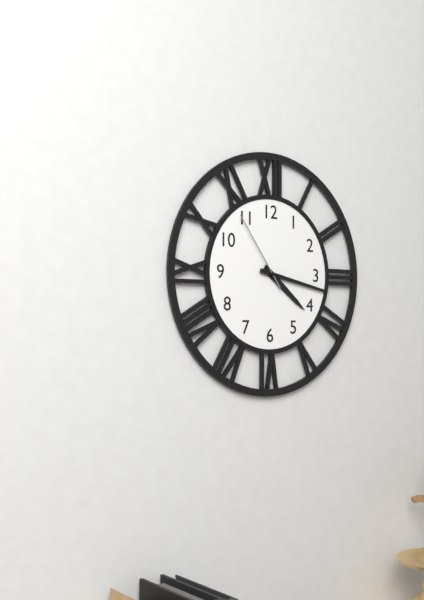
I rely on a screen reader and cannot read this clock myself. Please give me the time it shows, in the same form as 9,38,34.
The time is 4,17,54
